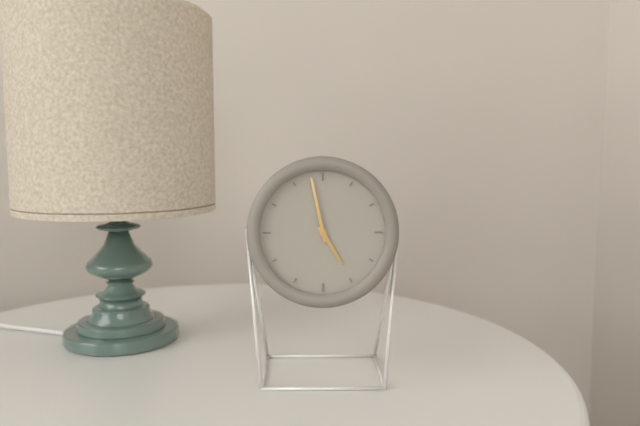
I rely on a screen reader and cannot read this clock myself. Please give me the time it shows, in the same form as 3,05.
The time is 4,58
